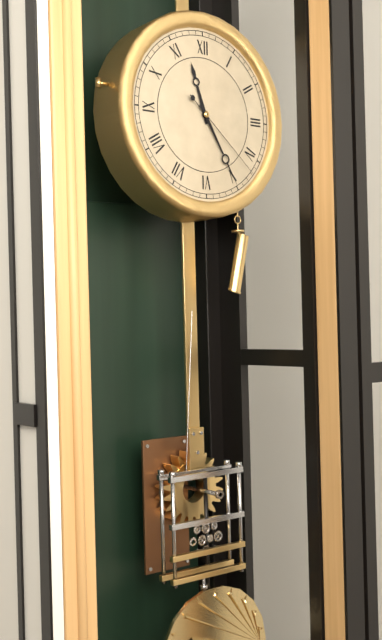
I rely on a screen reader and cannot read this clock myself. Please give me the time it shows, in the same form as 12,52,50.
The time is 11,25,22
